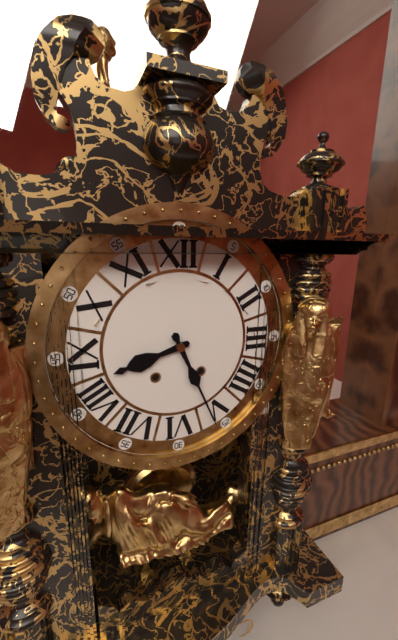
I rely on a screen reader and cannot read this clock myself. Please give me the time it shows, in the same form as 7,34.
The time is 8,26
